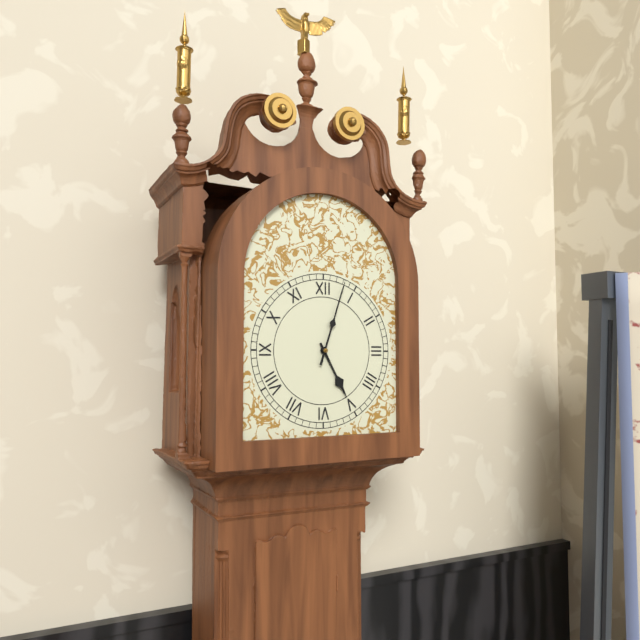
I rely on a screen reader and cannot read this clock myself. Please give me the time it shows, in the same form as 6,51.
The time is 5,03
